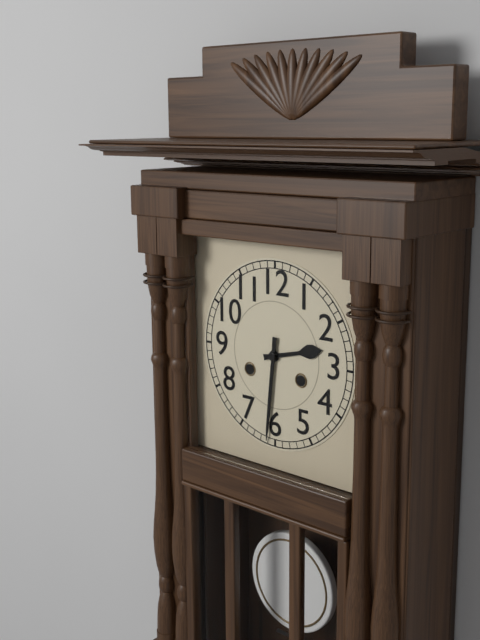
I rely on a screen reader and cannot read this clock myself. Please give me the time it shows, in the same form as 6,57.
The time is 2,31
